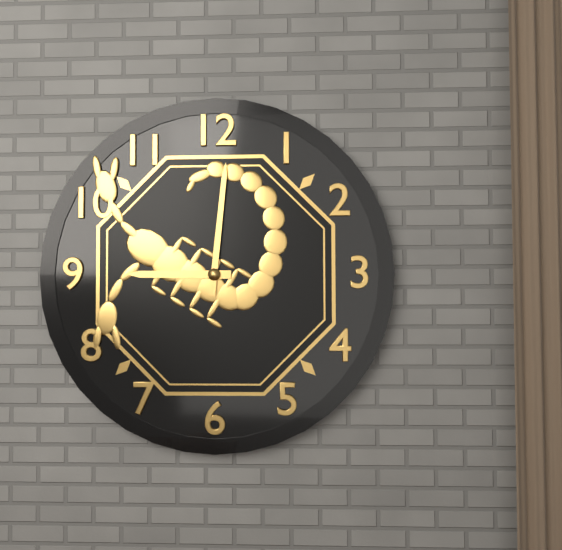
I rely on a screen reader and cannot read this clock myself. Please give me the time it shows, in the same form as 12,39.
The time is 9,01
